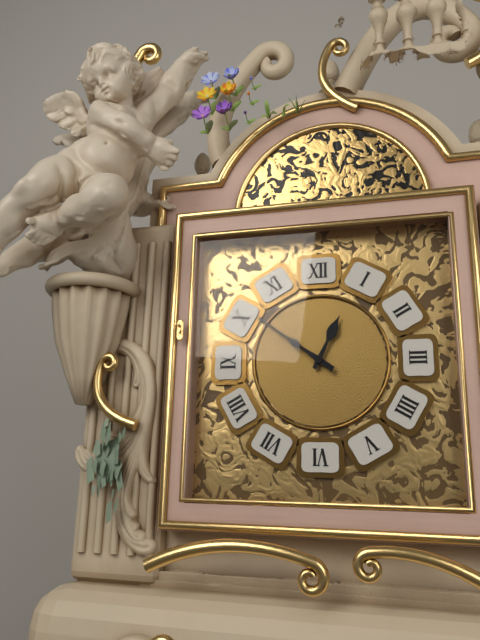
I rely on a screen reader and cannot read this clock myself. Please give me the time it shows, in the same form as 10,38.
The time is 12,51
